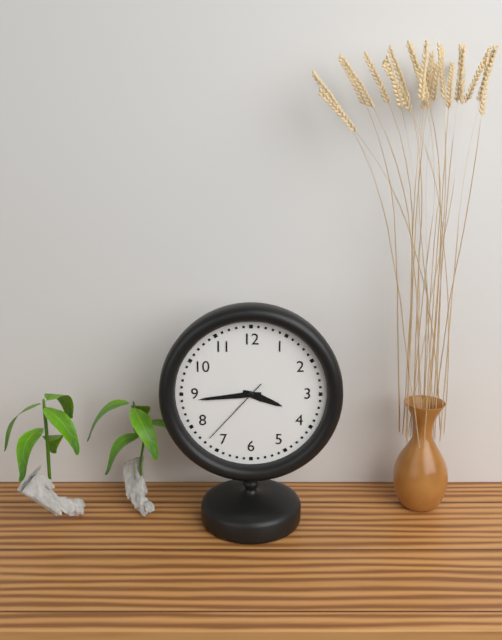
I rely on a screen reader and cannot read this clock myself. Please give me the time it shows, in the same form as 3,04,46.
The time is 3,44,37
